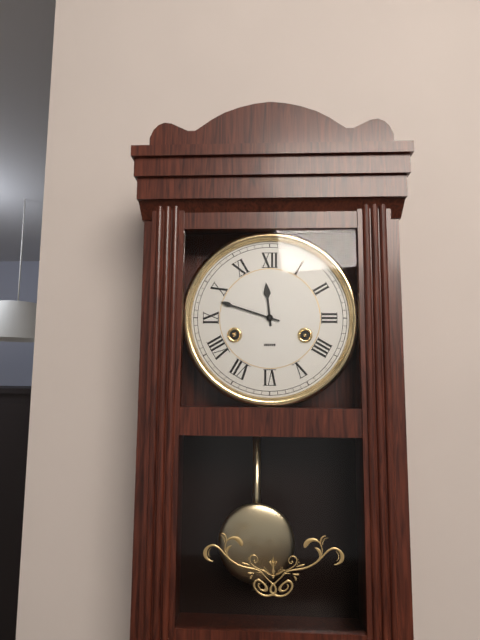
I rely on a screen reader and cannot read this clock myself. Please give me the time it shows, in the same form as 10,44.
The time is 11,48
